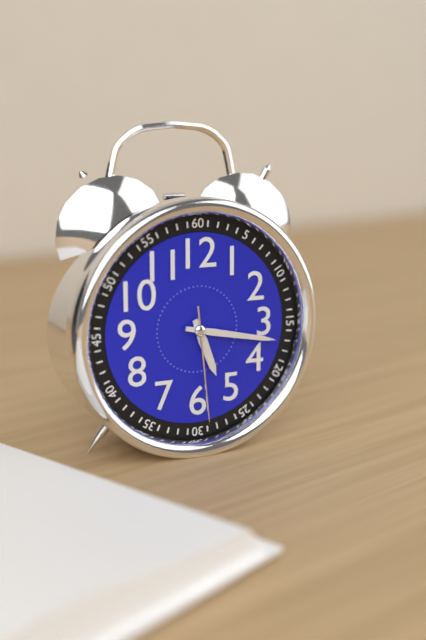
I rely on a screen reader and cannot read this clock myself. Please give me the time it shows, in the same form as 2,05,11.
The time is 5,17,29
